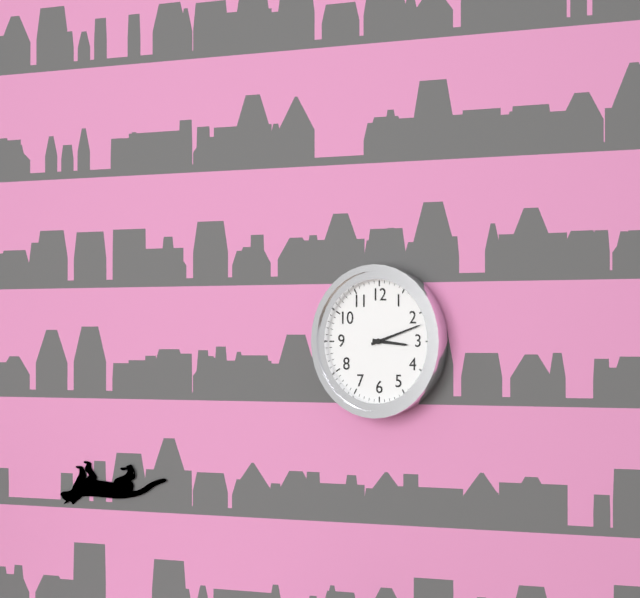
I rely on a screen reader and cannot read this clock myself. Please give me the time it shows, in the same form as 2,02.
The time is 3,12
